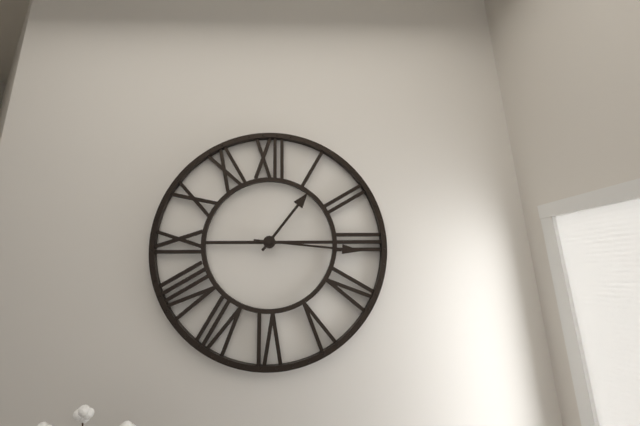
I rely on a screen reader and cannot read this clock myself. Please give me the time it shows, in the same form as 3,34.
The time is 1,16
